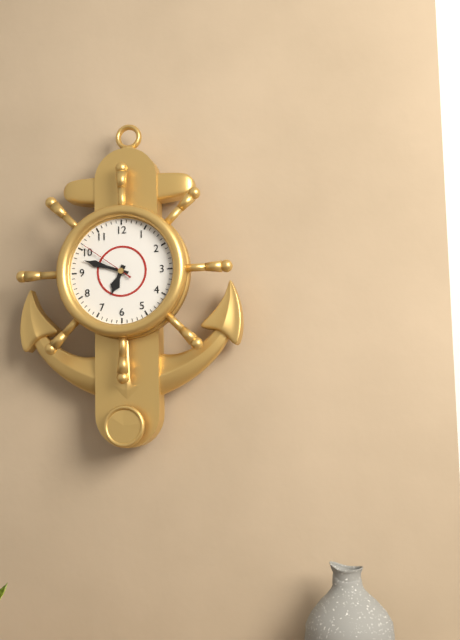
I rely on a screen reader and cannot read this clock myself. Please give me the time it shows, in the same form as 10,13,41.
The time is 6,48,51
